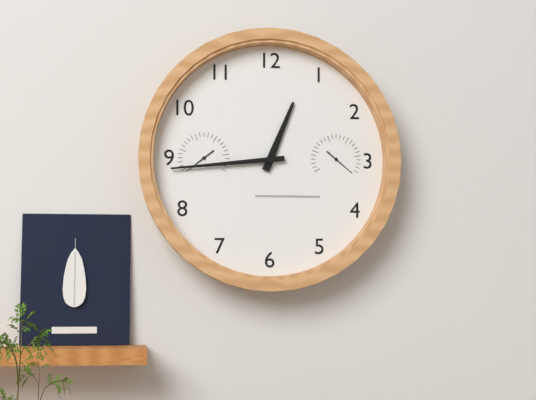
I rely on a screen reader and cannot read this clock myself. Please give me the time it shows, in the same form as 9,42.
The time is 12,44
